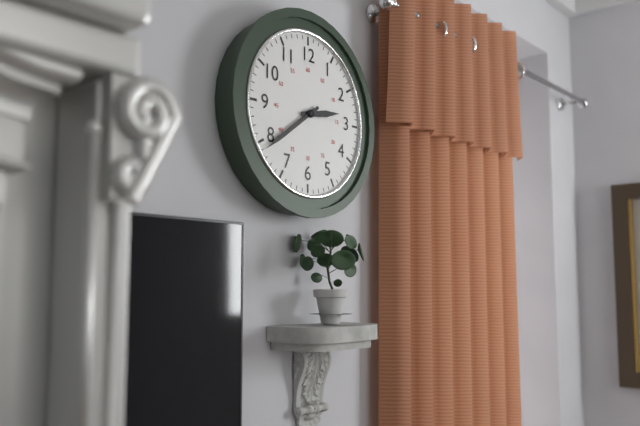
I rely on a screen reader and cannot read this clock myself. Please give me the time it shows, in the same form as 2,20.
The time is 2,39
